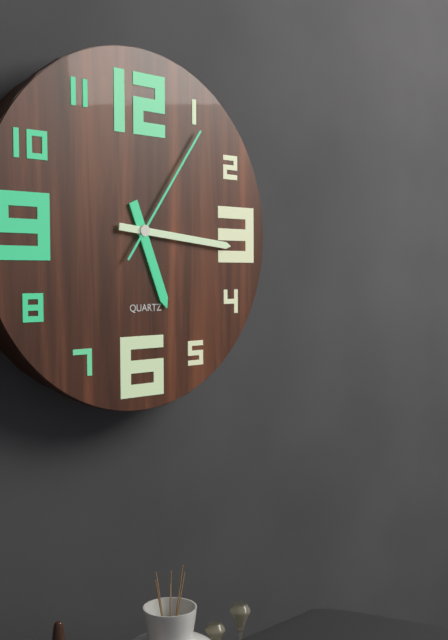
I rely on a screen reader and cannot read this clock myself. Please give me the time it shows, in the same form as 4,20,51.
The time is 5,16,06
